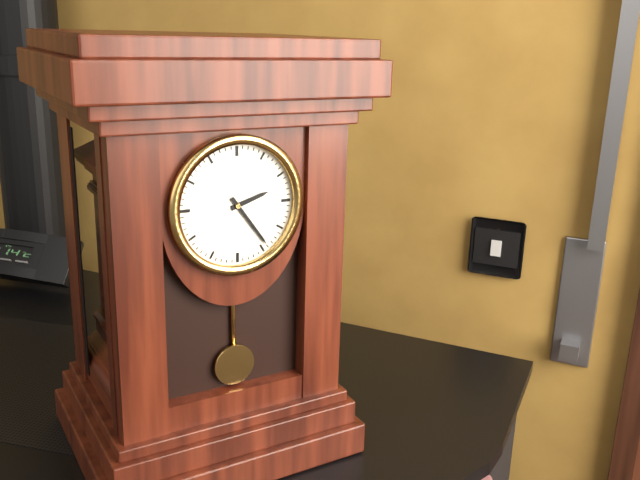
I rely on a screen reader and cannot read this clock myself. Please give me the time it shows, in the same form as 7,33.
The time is 2,24
